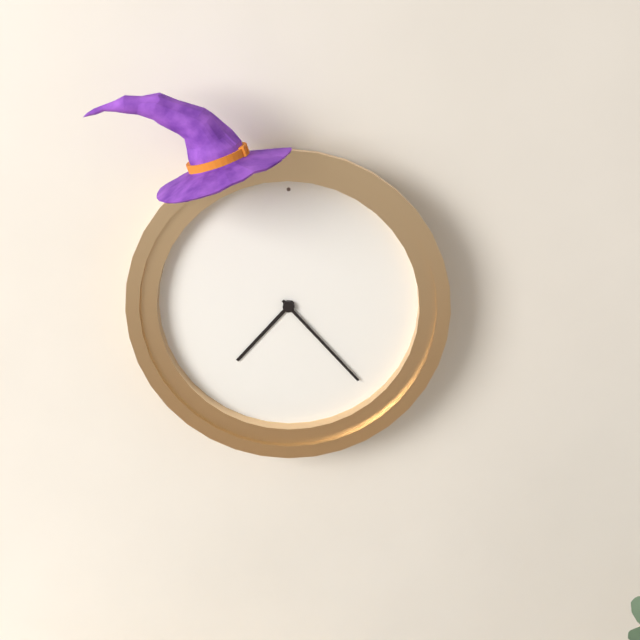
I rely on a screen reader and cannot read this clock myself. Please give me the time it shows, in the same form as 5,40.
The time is 7,23
